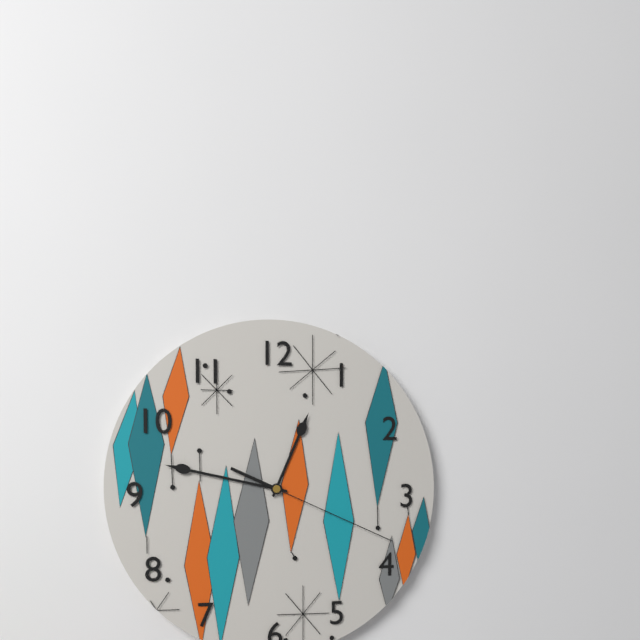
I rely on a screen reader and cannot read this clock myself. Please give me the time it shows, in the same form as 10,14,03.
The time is 12,47,19
